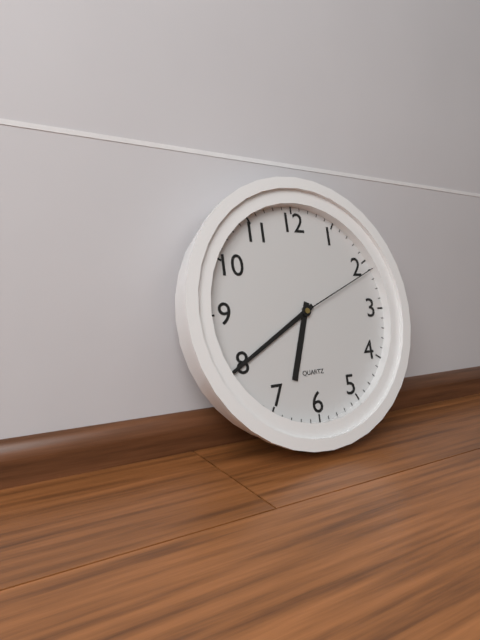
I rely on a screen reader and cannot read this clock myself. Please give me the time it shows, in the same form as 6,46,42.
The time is 6,40,11
